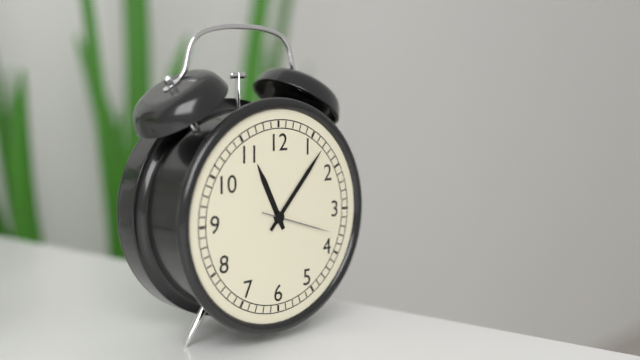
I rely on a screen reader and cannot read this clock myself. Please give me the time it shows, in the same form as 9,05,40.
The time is 11,07,18
